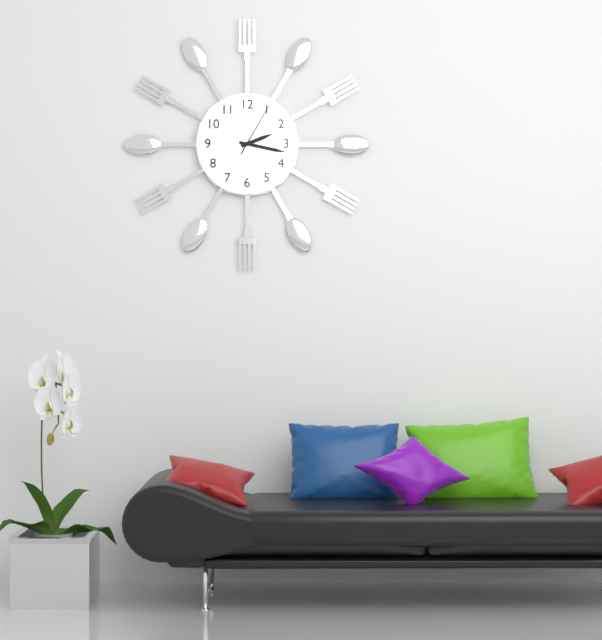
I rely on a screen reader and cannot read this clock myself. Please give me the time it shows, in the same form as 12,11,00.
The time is 2,17,05
